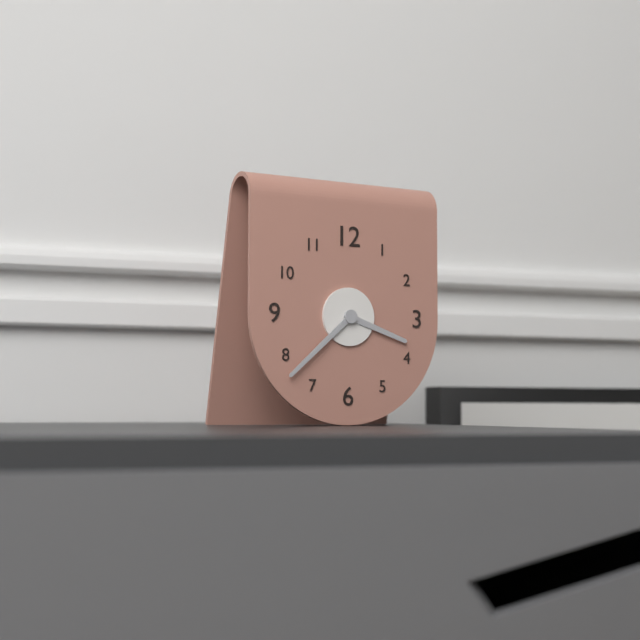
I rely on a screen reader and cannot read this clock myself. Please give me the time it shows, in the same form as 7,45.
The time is 3,38
